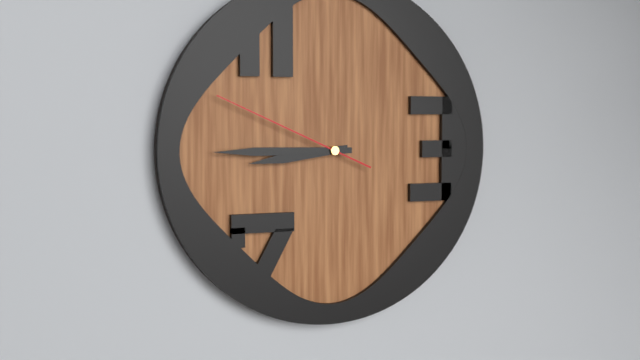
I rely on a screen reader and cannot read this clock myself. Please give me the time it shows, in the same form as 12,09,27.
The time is 8,45,49
